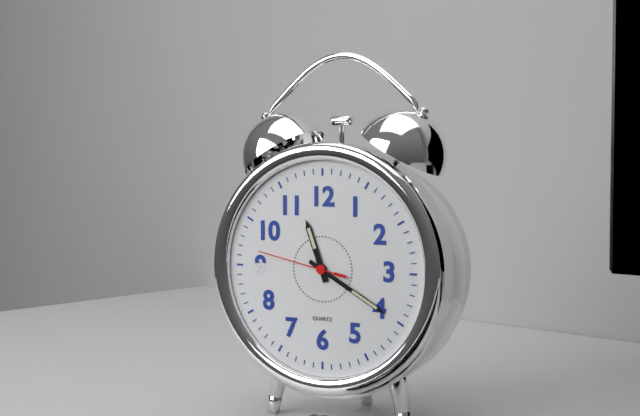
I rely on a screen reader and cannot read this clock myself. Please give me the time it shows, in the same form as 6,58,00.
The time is 11,20,47
